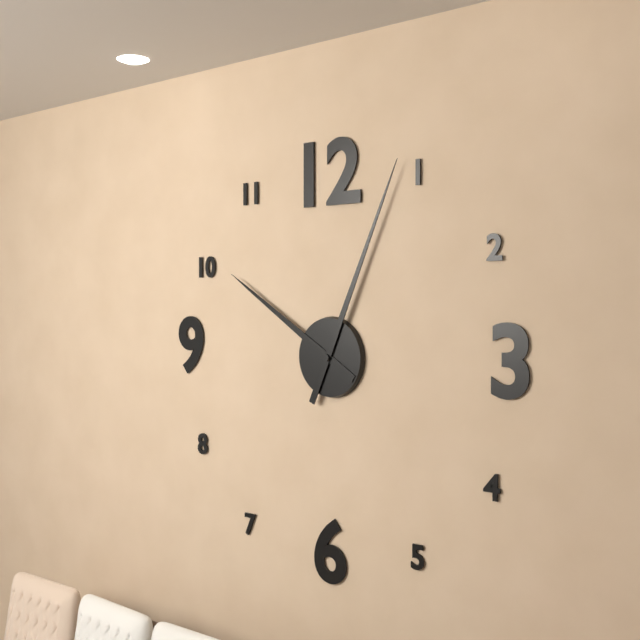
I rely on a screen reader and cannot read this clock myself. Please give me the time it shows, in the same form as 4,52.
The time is 10,04
